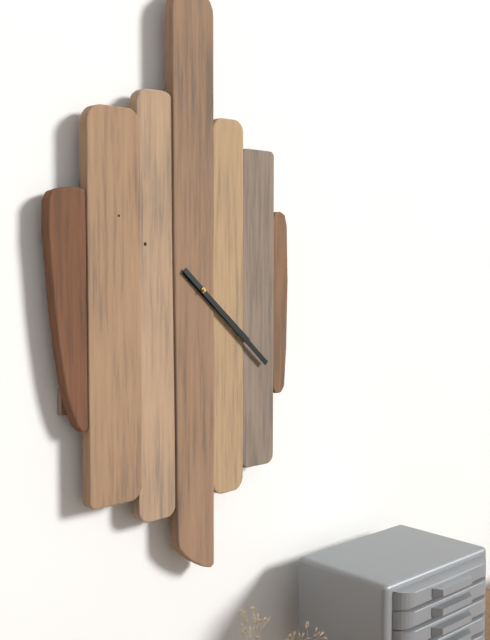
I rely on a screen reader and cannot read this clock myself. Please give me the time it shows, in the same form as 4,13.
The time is 4,22
